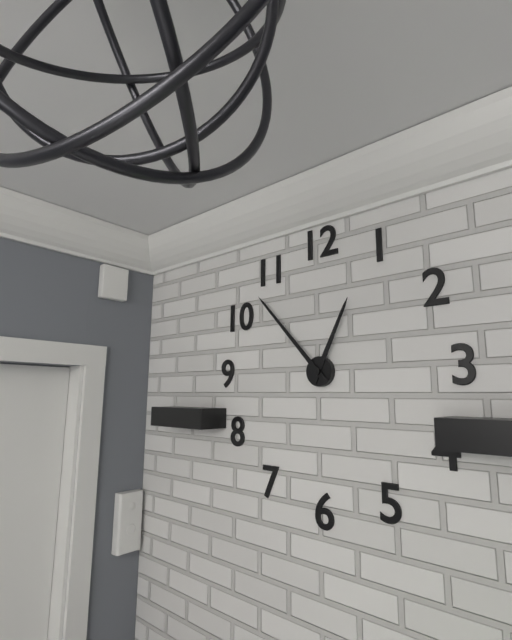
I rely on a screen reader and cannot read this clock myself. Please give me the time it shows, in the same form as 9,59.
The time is 12,53
